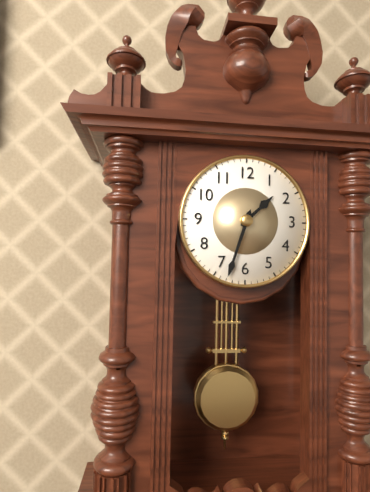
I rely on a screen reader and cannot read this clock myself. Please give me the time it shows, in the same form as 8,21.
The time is 1,33
